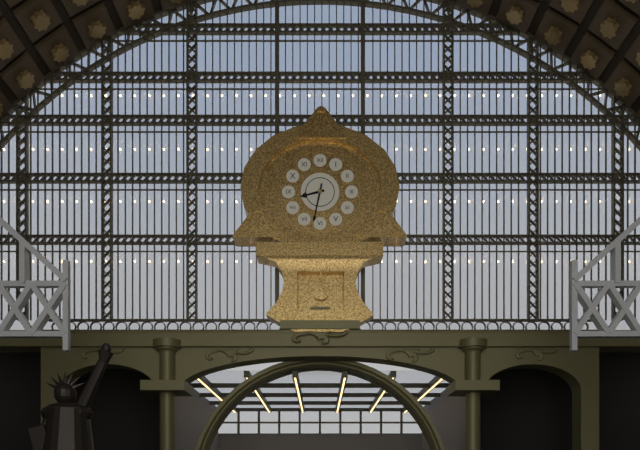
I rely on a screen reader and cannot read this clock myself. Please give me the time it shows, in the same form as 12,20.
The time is 8,32
